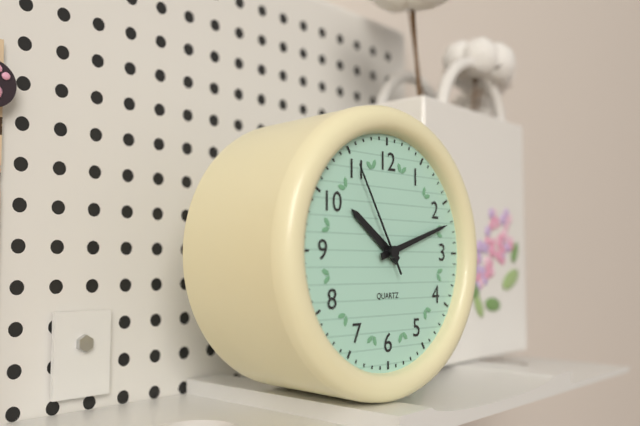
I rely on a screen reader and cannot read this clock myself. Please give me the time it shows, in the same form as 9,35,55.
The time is 10,12,55
